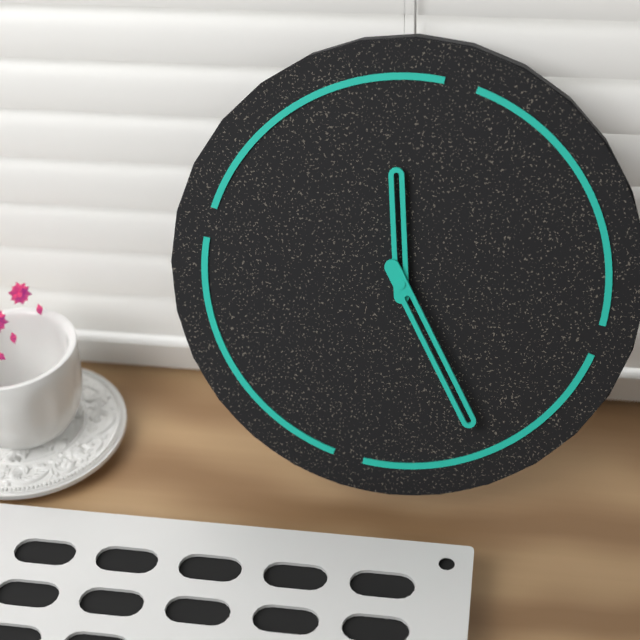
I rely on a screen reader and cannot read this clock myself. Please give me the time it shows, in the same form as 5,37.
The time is 11,23
